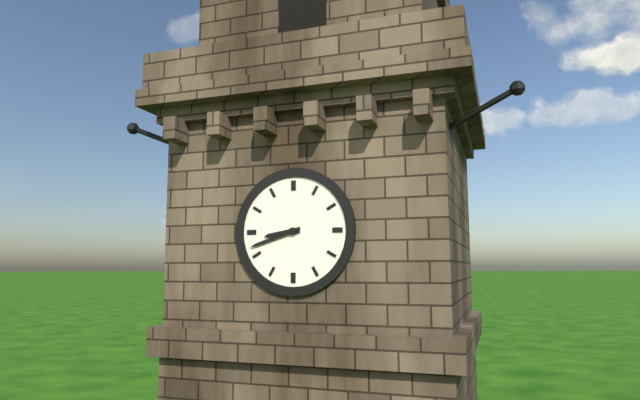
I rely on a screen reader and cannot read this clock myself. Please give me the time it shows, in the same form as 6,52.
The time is 8,42
